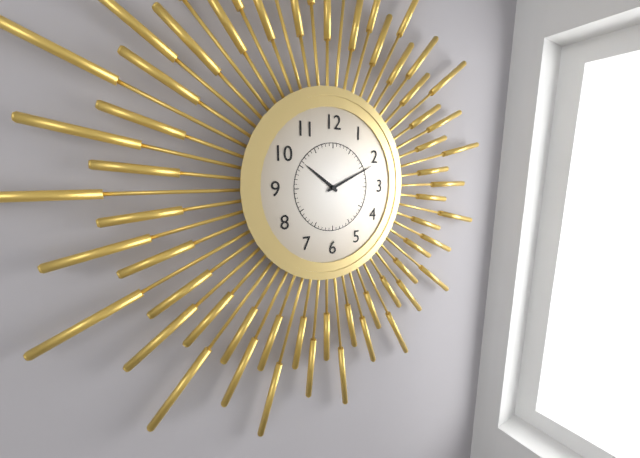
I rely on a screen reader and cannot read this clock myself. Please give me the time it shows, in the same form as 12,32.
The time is 10,11
